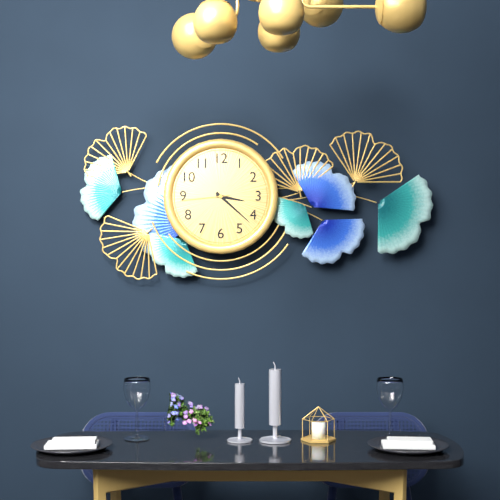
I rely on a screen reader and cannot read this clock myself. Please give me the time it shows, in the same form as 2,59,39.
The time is 3,22,44
